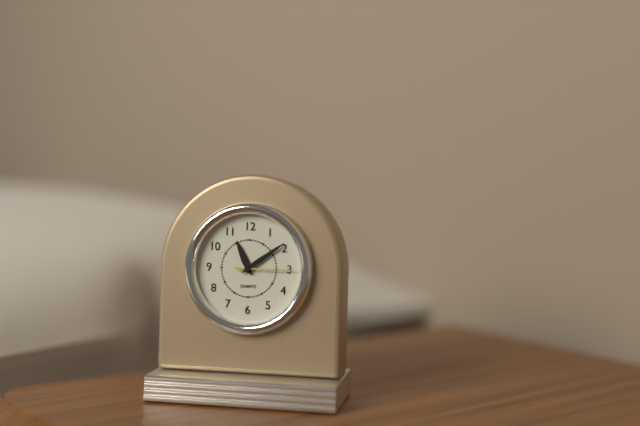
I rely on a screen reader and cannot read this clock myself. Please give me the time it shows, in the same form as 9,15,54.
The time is 11,09,15
